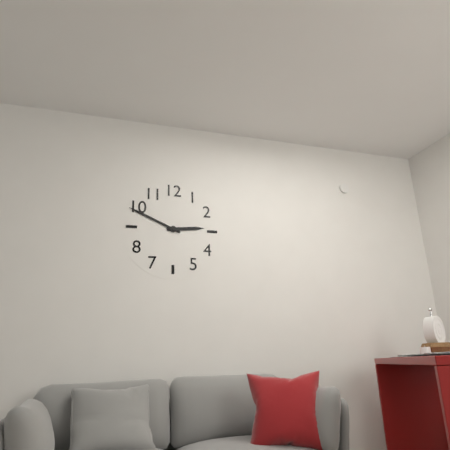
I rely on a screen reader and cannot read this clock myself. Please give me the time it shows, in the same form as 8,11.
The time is 2,49
